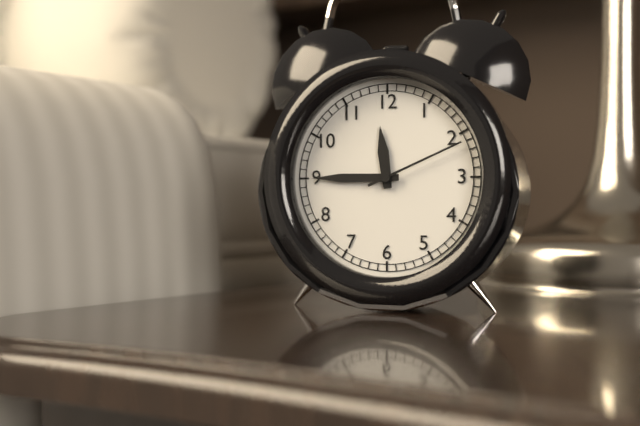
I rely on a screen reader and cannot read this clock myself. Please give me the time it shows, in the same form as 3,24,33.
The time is 11,45,11
